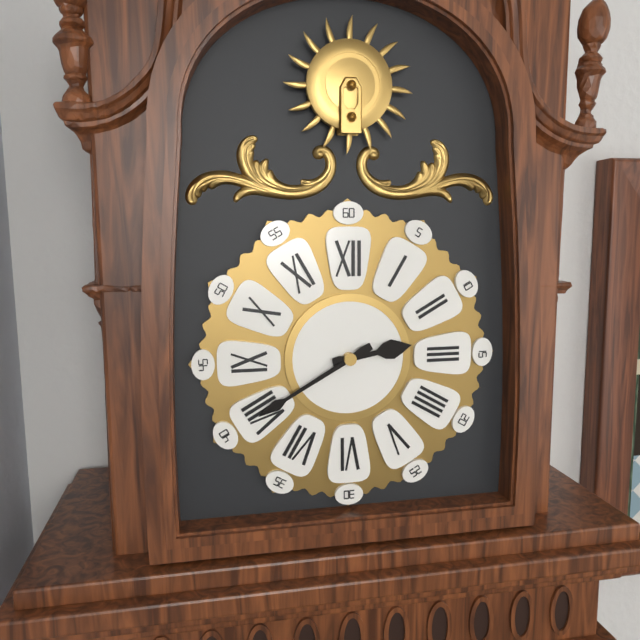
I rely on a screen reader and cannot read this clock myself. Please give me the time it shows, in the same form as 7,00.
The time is 2,40
